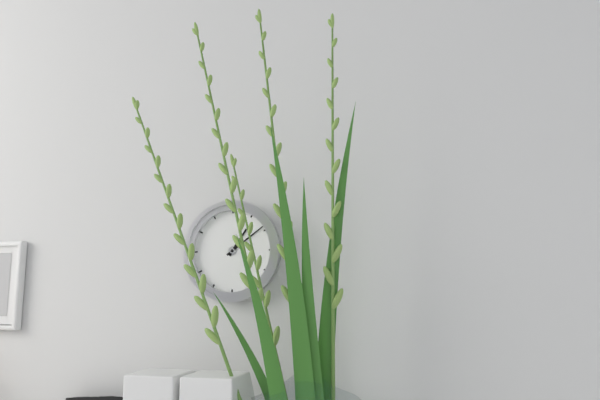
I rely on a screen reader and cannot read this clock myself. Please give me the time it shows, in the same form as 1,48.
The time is 1,09
